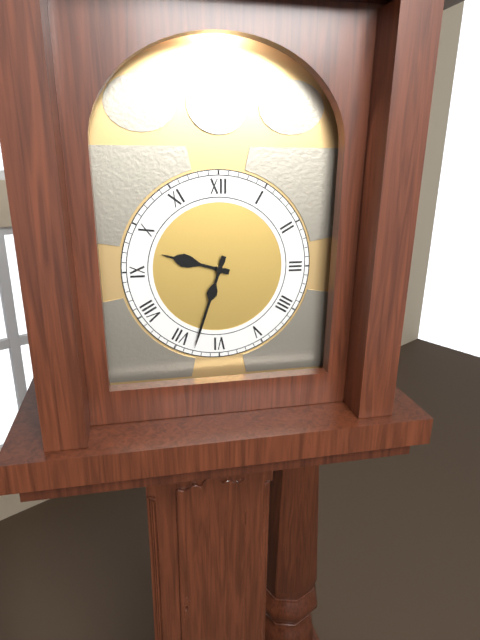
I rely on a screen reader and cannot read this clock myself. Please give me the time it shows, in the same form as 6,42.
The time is 9,33
